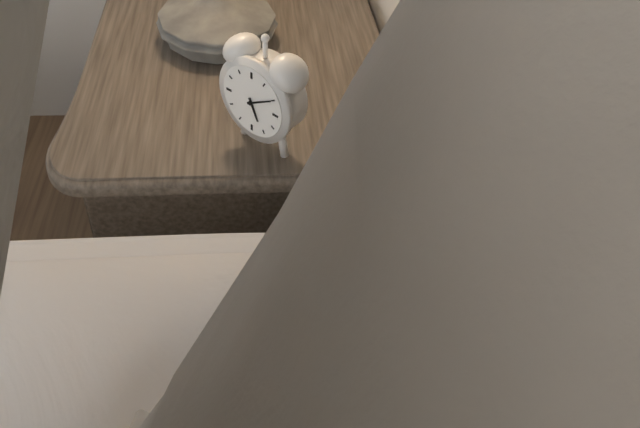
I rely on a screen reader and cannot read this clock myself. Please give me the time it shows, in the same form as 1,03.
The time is 5,10
